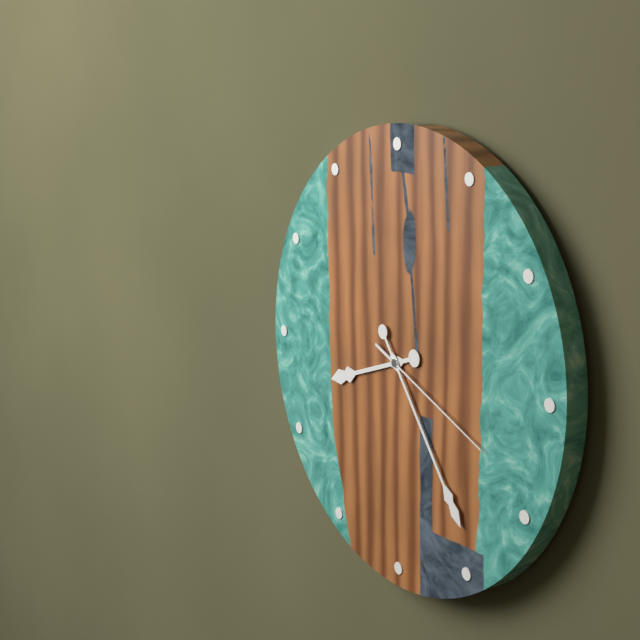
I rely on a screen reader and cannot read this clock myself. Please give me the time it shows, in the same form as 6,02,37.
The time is 8,24,19
